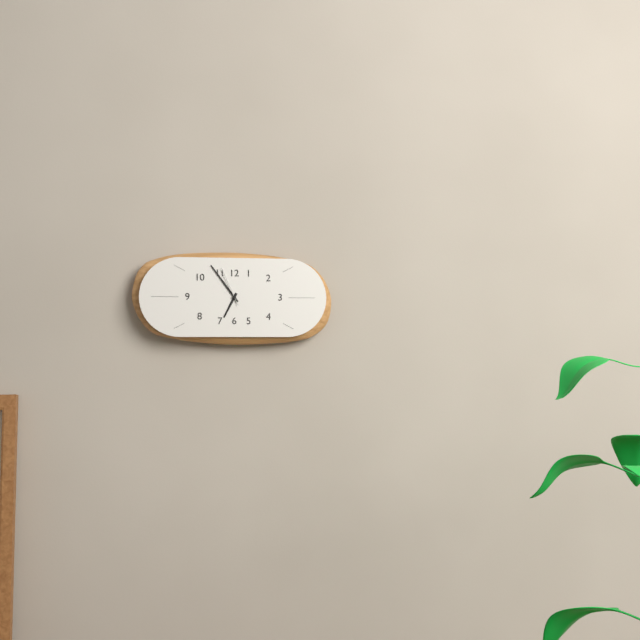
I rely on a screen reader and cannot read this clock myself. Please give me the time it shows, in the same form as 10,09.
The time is 6,54
